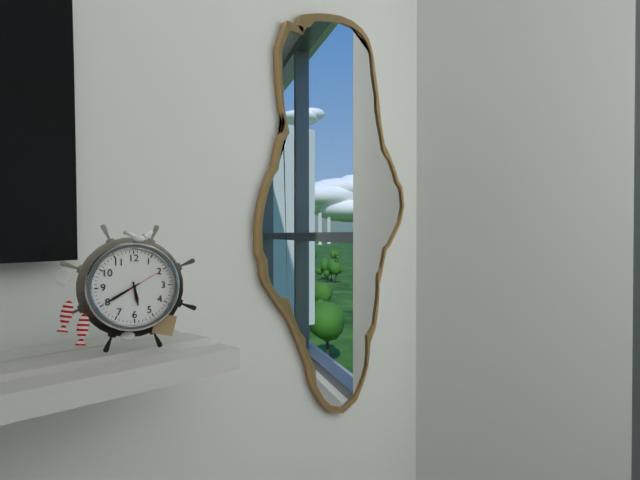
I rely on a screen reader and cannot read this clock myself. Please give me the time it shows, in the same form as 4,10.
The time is 5,40
